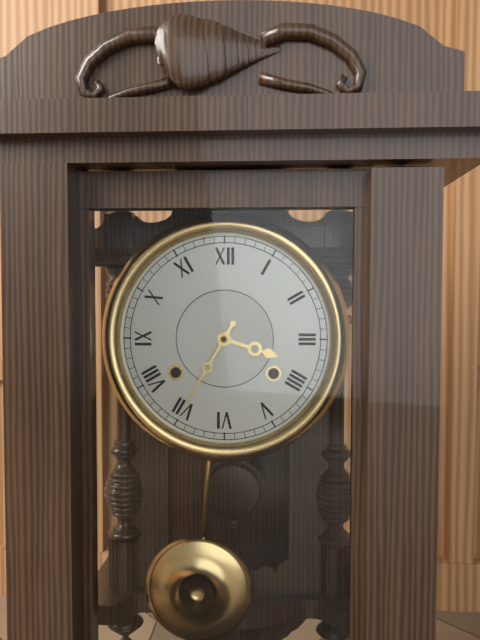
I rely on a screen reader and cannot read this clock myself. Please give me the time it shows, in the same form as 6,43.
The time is 3,35
